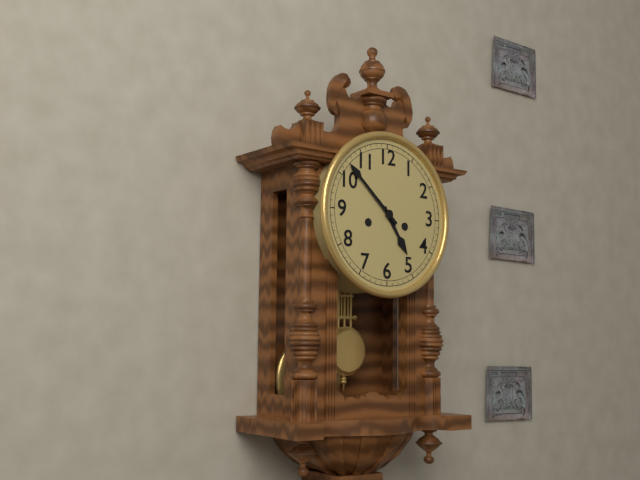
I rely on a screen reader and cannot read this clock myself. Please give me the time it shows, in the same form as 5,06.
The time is 4,52
